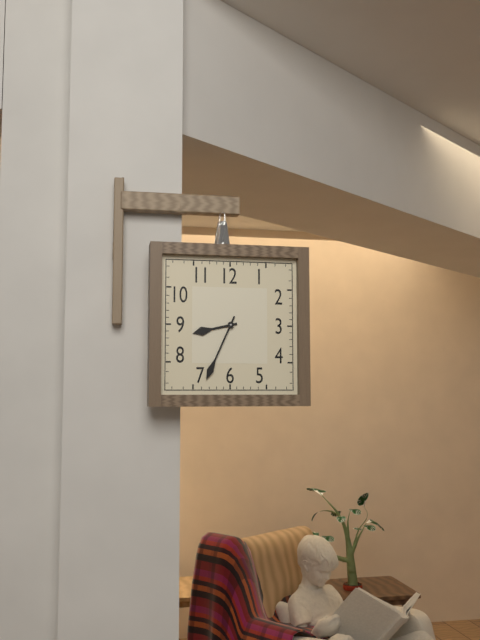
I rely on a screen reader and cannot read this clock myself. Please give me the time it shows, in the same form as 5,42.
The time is 8,34
